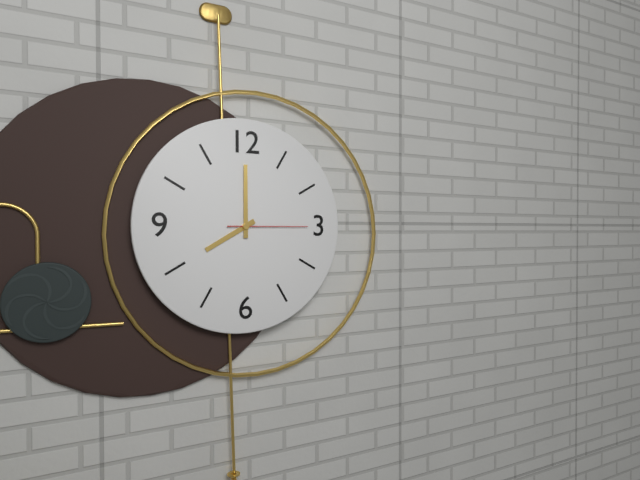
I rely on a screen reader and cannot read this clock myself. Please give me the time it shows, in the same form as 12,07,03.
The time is 8,00,15
